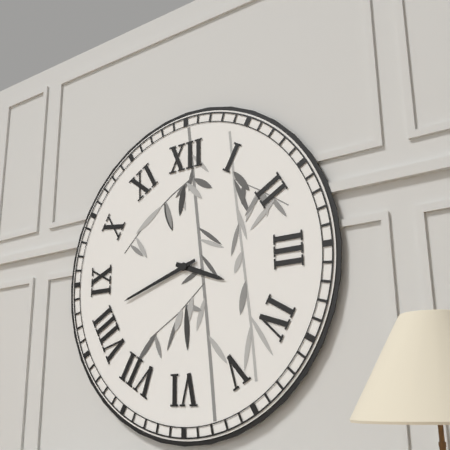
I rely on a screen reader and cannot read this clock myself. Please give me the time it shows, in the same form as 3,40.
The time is 3,42
